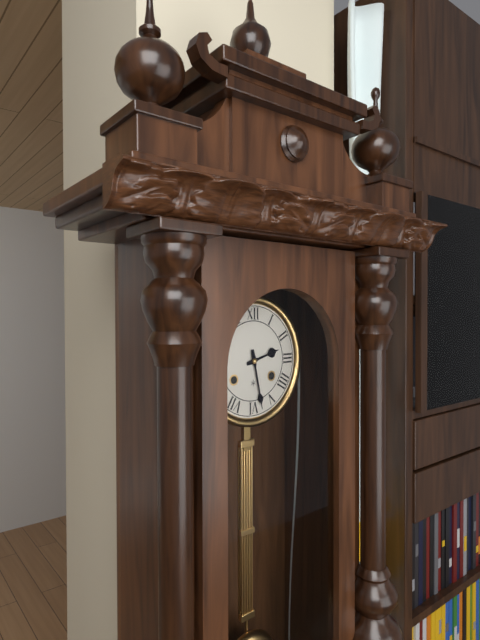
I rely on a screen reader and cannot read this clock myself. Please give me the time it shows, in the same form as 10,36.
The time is 2,28
